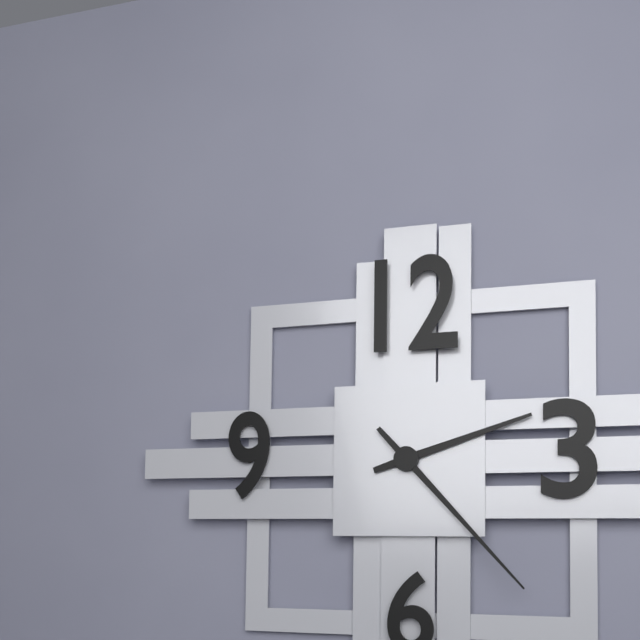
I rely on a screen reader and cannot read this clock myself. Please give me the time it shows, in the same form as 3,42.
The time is 2,23
